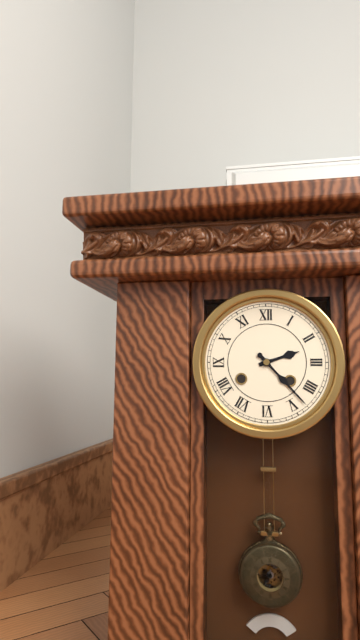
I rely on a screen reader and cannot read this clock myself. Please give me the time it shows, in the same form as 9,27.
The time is 2,23
